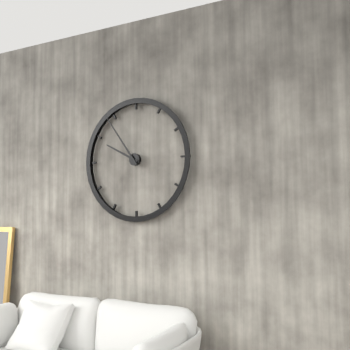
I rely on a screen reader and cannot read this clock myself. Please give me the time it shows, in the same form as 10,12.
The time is 9,54
